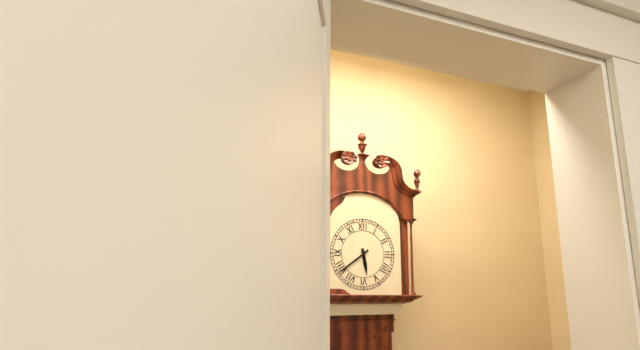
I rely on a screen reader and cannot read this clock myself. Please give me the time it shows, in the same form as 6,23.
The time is 5,39
